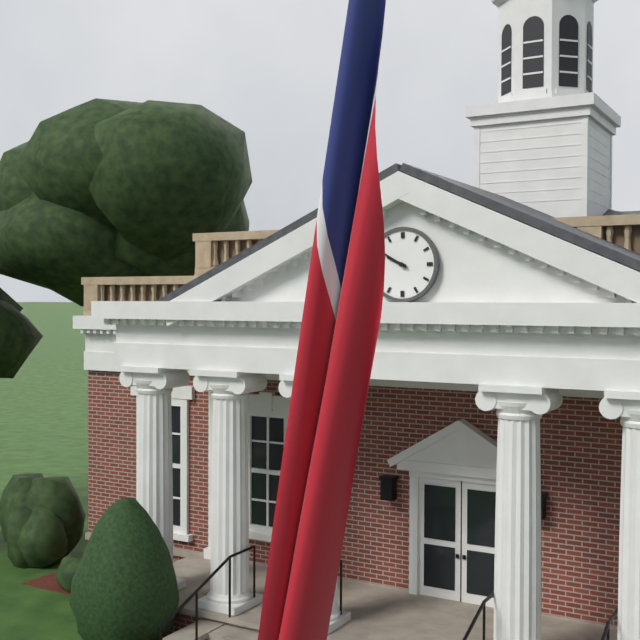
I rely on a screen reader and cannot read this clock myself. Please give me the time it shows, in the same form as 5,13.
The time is 9,50
